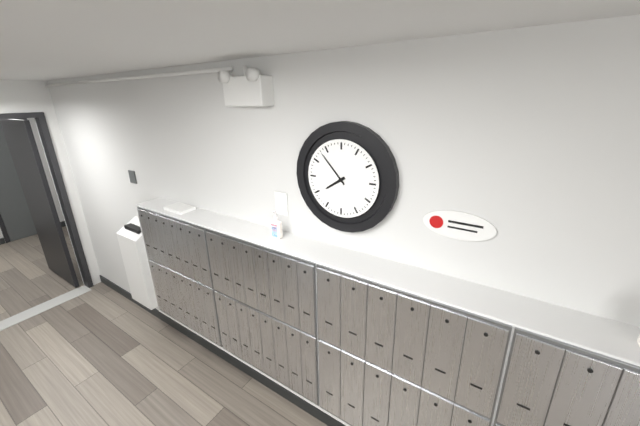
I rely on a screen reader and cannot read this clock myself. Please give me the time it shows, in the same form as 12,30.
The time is 7,53
